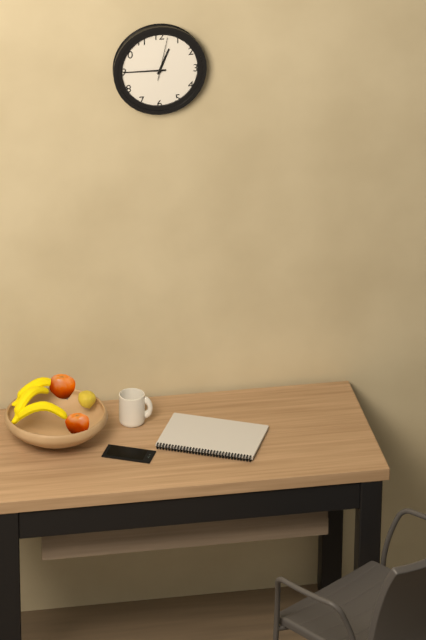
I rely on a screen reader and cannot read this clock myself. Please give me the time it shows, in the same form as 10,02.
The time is 12,45
